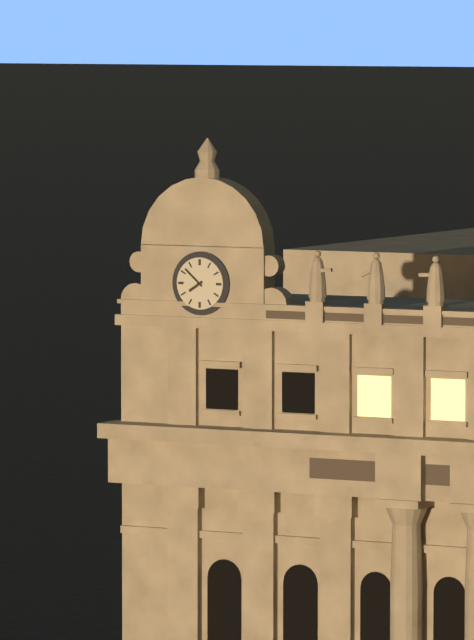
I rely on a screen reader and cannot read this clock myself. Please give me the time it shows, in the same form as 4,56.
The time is 7,52
